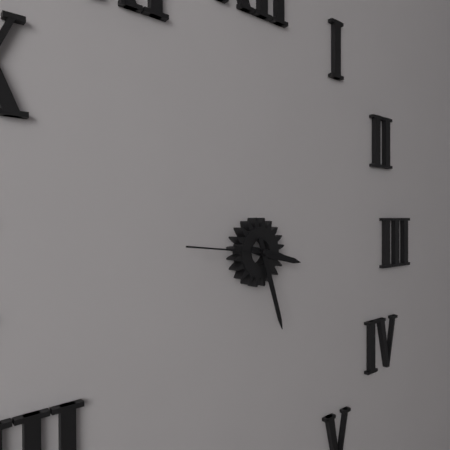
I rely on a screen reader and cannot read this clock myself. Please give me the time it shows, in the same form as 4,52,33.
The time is 3,27,46
